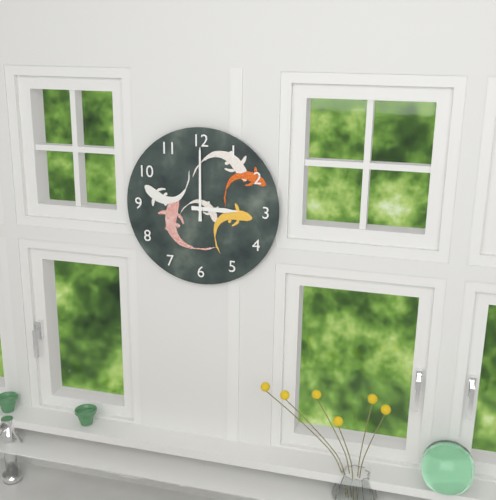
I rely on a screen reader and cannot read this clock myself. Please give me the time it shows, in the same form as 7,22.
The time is 3,00
